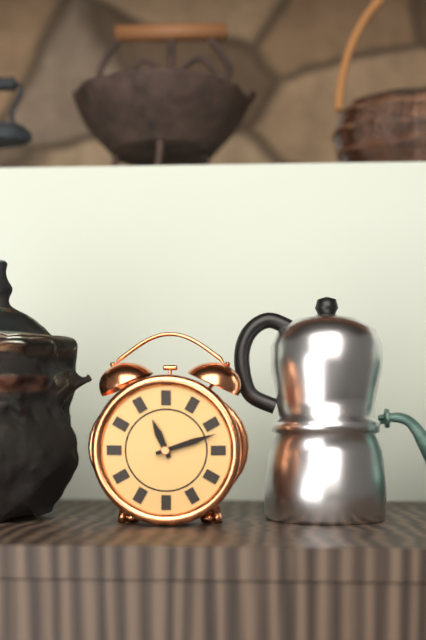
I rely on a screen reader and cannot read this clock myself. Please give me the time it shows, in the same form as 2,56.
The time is 11,12
